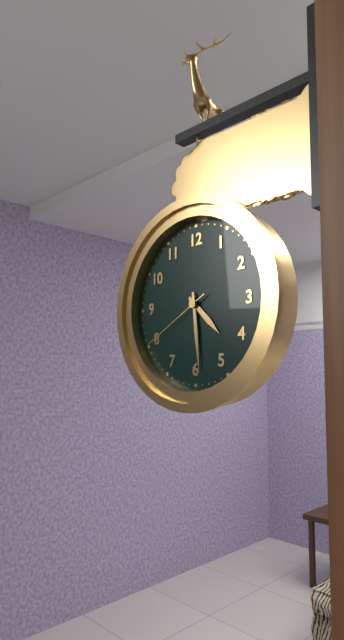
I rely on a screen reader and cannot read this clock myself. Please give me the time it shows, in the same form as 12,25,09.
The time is 4,29,40
